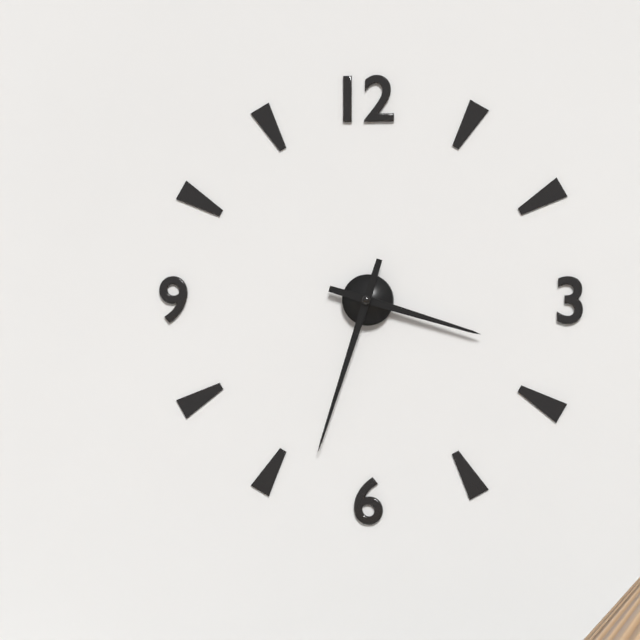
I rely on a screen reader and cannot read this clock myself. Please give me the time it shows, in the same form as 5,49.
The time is 3,33
